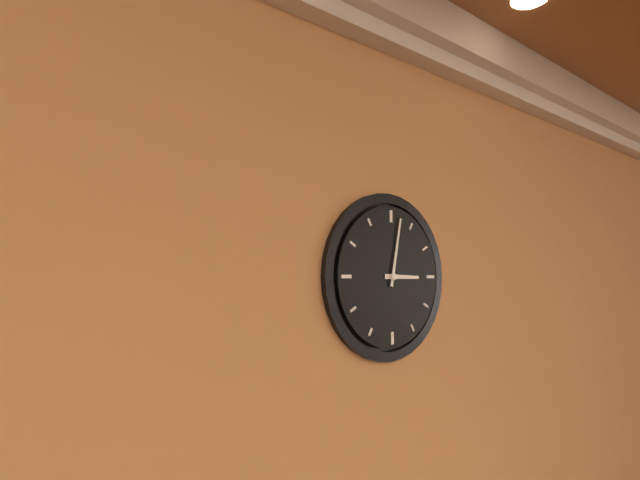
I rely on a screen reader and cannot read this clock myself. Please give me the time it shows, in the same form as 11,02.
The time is 3,02
